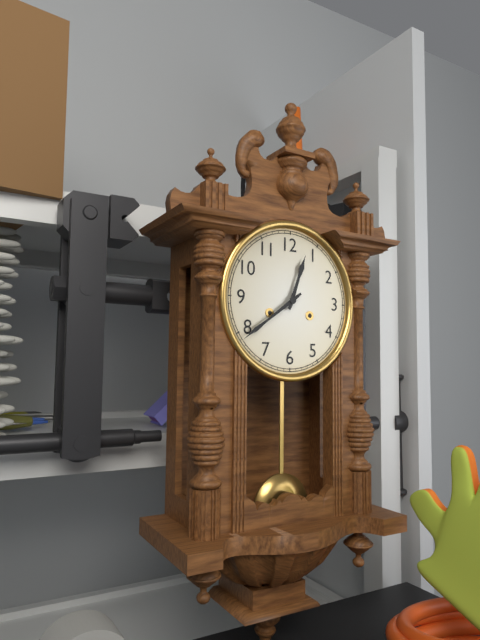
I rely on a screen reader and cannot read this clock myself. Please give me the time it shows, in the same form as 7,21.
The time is 12,39
